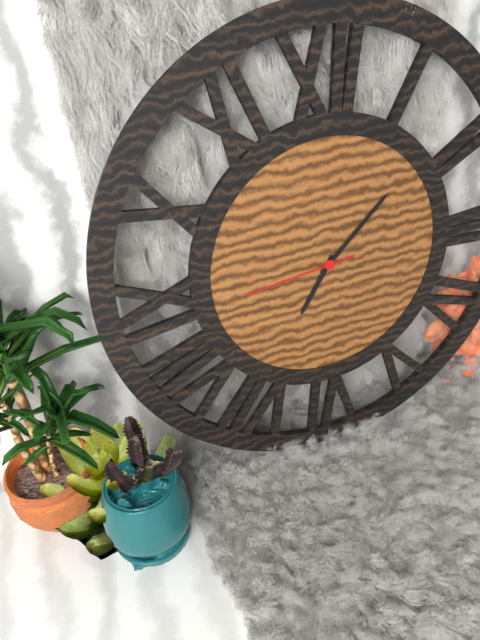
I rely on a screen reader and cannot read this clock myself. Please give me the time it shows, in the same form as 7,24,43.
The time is 7,08,44
